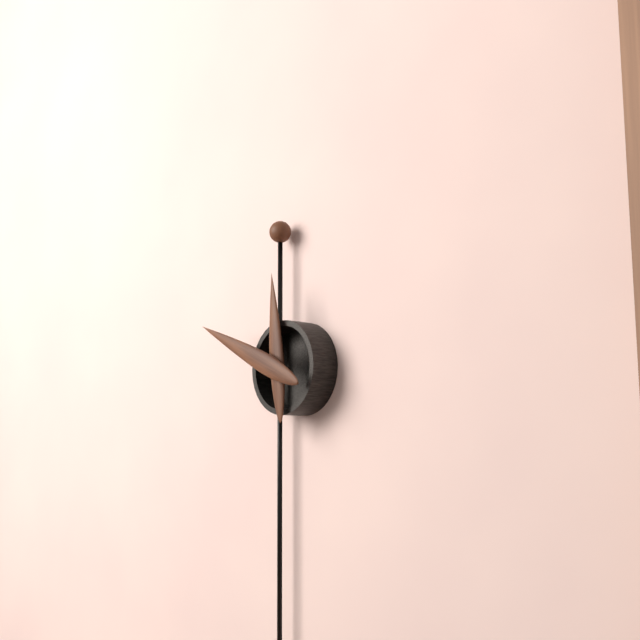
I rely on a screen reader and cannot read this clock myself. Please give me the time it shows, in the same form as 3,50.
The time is 11,49
